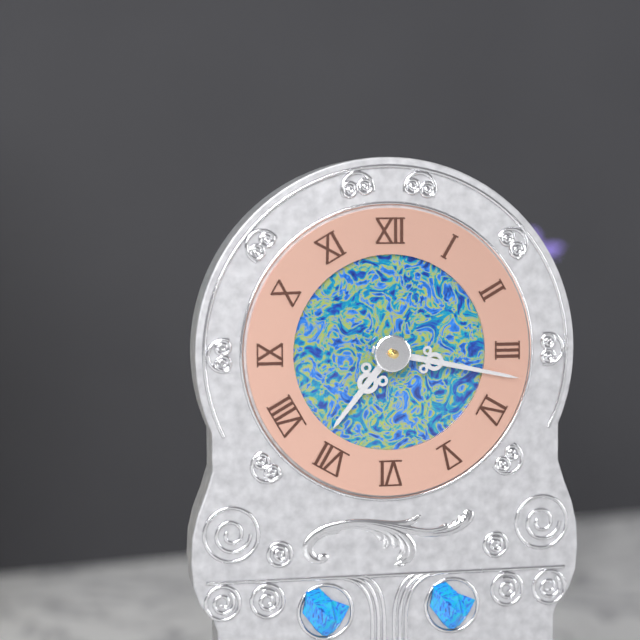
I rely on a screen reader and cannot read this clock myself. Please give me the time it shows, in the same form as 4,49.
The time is 7,17
